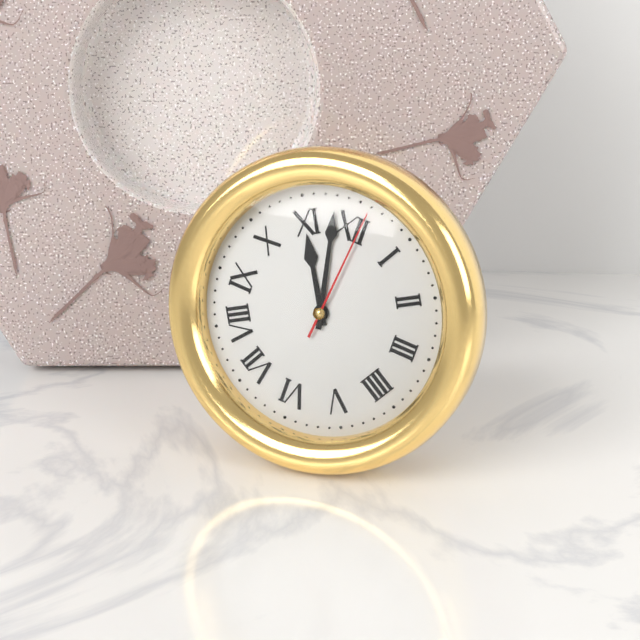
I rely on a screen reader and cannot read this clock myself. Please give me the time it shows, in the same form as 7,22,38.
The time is 10,58,01
